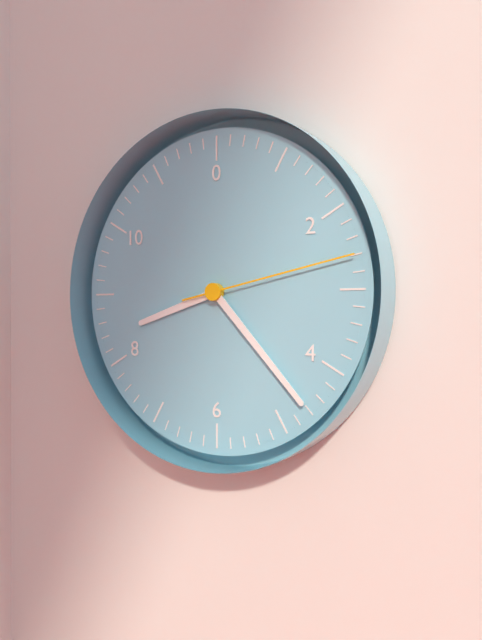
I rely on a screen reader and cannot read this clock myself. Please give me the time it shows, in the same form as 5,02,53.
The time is 8,23,13
